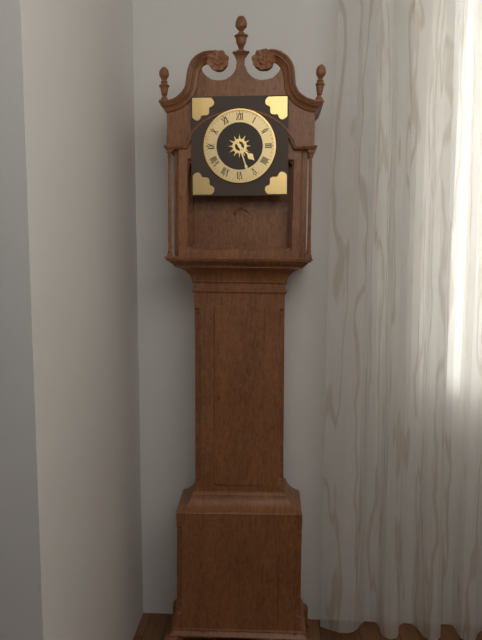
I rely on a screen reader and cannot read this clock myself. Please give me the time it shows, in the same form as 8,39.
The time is 4,27
